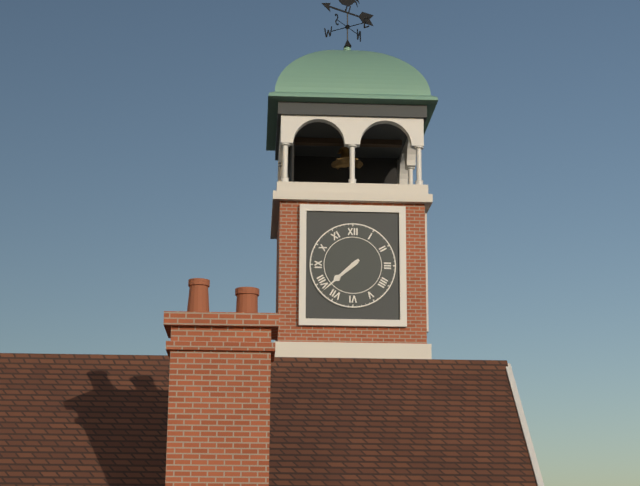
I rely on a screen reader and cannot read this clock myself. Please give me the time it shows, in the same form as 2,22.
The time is 7,38
